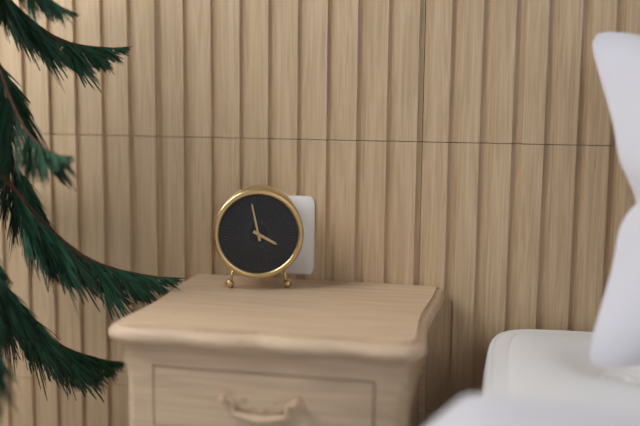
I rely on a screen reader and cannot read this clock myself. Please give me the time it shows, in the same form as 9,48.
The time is 3,58
